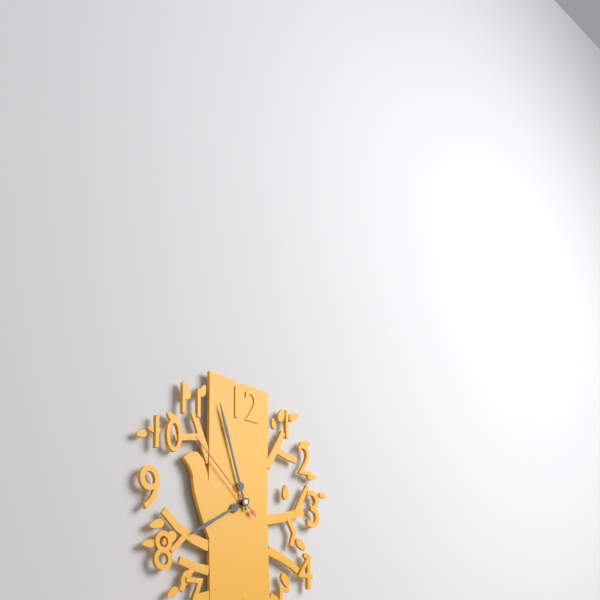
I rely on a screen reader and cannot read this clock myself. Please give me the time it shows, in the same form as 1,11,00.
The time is 7,57,52
